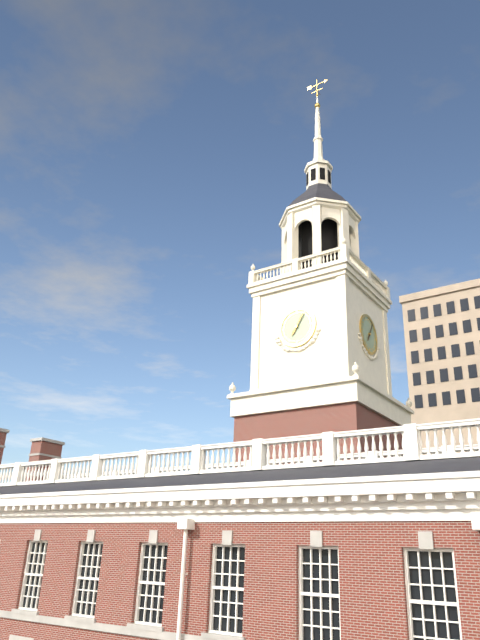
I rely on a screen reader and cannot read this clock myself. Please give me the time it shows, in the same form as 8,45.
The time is 7,05
